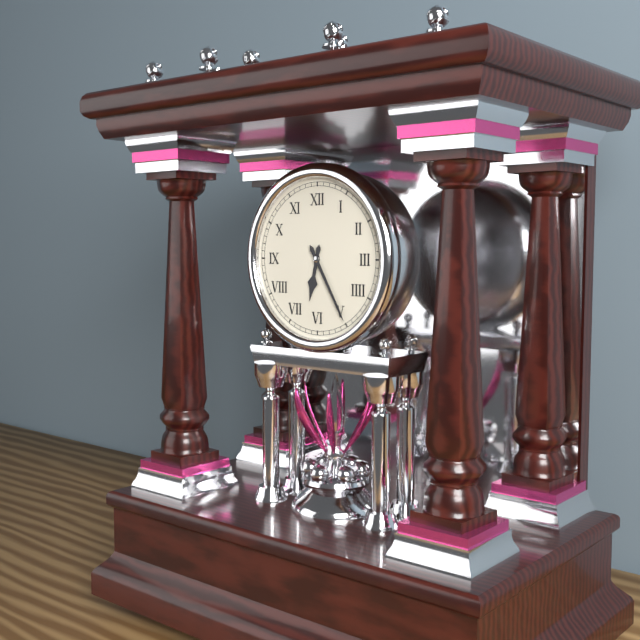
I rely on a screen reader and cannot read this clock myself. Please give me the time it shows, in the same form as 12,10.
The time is 6,25
